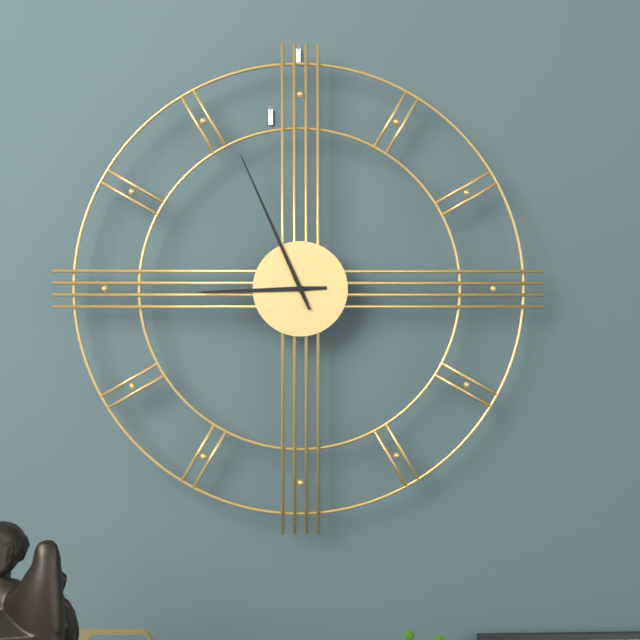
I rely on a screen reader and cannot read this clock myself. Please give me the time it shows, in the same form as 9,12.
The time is 8,56
